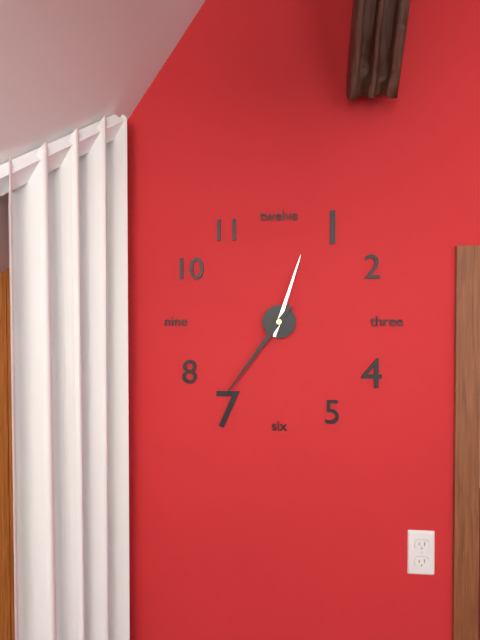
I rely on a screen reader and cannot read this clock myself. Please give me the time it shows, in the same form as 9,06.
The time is 12,36
